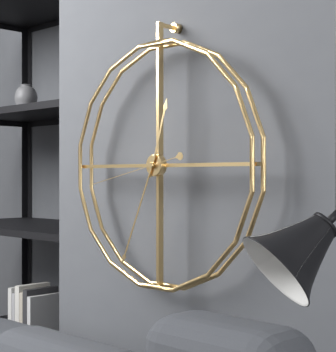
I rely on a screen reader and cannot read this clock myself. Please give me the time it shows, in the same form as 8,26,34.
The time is 12,34,43
